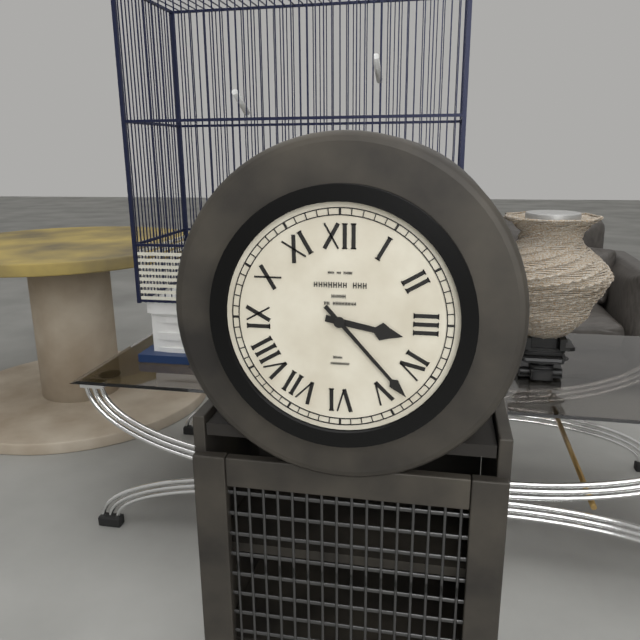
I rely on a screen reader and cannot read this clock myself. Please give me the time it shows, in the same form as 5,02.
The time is 3,23
